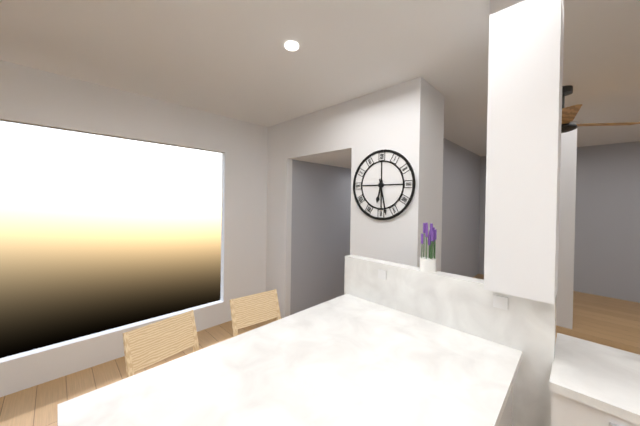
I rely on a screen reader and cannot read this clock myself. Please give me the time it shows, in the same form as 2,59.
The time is 6,28
